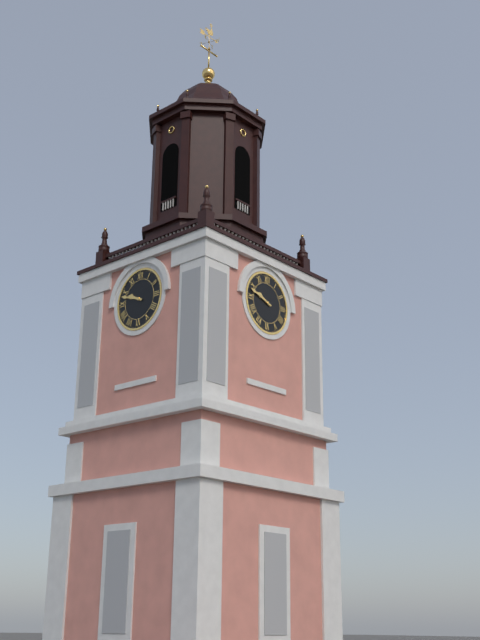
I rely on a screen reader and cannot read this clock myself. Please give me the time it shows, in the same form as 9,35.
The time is 9,48
